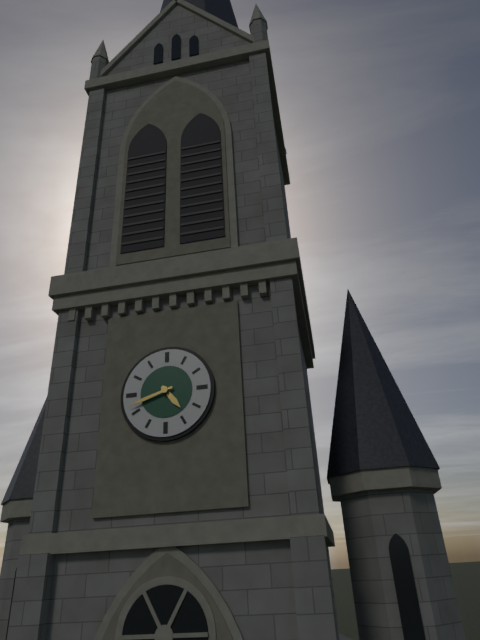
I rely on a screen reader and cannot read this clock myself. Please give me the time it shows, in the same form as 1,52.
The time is 4,42
